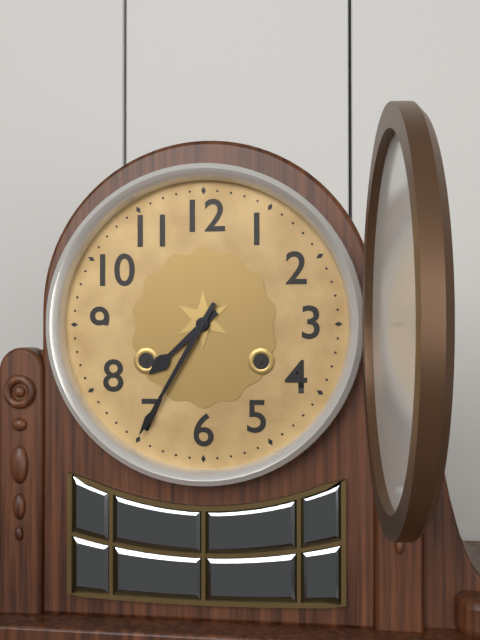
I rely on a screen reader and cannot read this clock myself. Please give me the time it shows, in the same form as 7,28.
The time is 7,35
